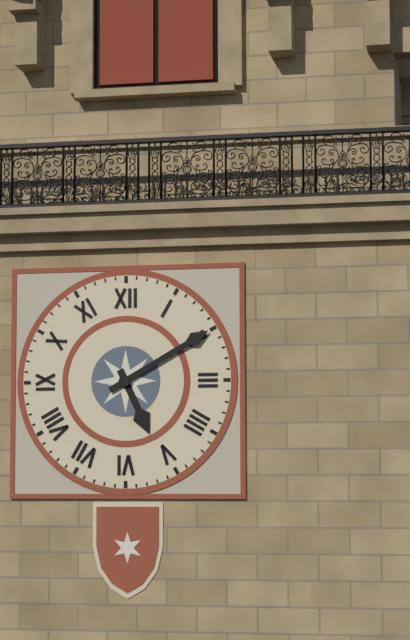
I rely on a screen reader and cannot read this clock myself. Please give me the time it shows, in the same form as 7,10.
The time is 5,10
